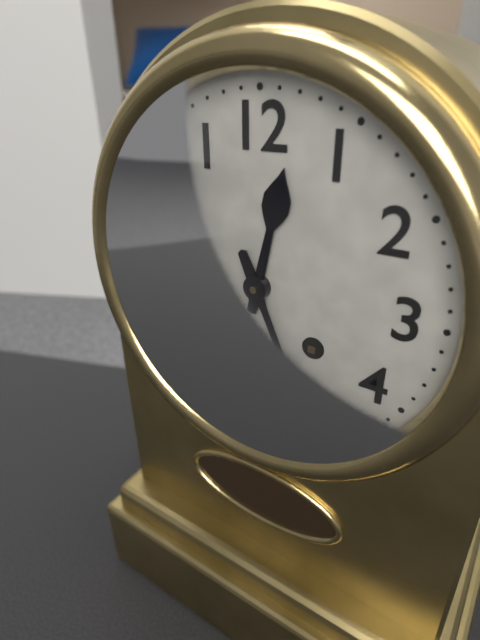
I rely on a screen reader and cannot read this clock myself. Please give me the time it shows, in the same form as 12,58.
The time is 12,26
